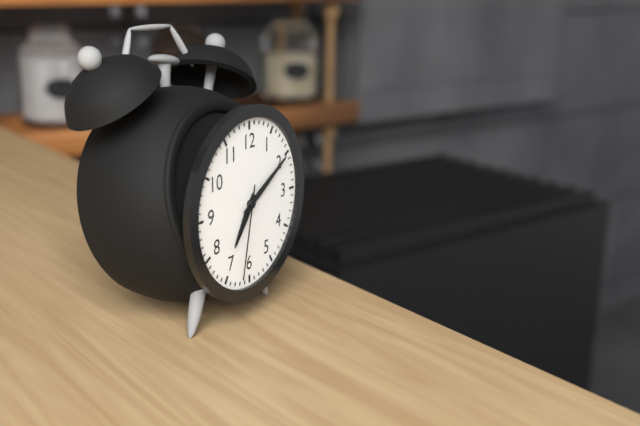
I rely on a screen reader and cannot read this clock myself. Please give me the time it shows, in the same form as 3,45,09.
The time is 7,10,32
